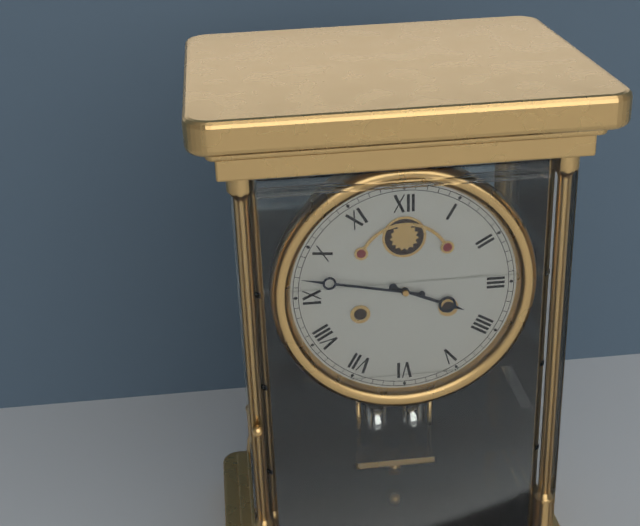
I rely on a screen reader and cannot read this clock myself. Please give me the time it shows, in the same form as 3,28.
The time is 3,47
